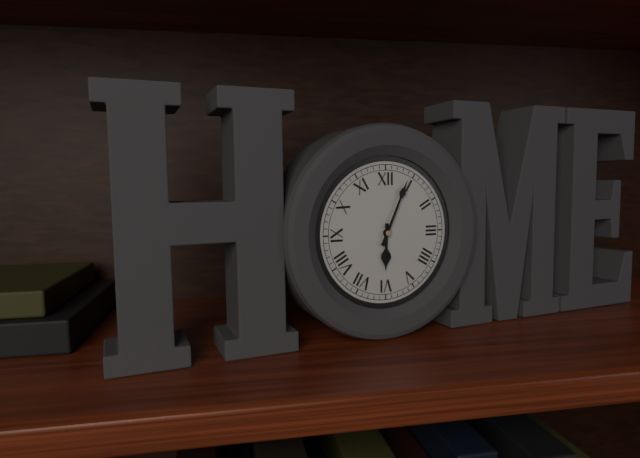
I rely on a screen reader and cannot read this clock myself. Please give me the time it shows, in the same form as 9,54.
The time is 6,04
